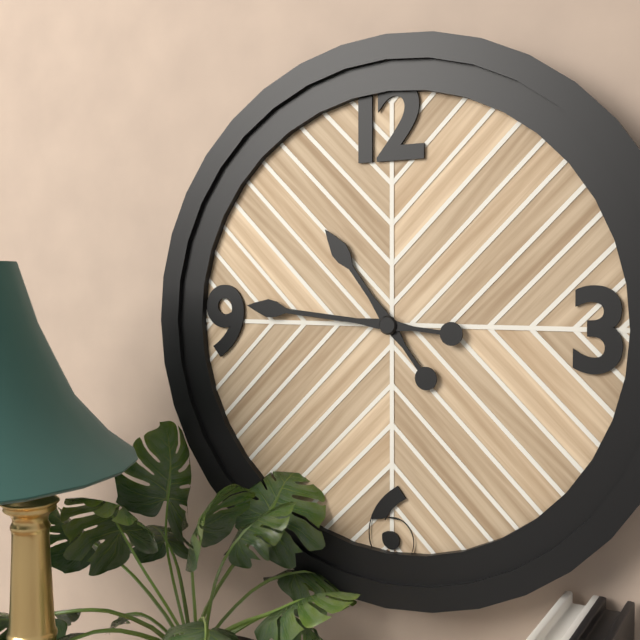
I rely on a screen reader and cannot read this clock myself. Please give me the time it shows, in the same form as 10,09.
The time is 10,46
